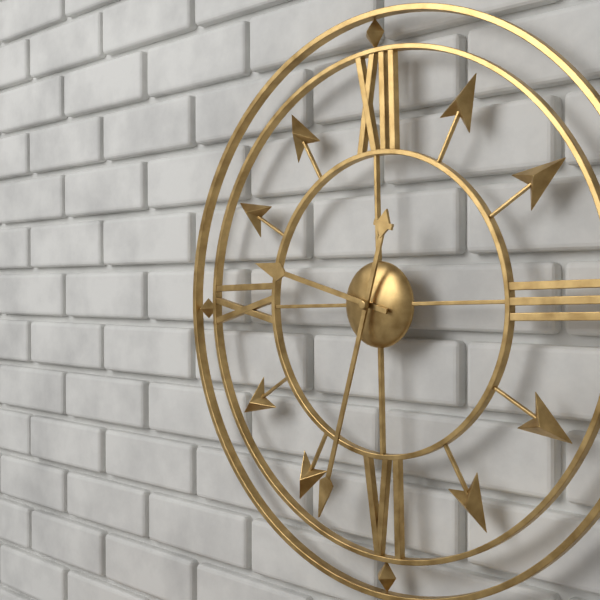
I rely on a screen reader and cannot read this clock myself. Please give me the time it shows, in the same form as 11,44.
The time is 9,33
